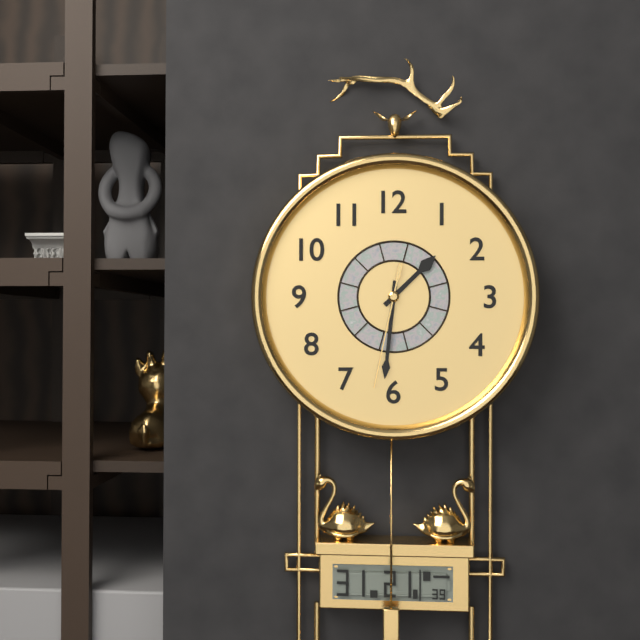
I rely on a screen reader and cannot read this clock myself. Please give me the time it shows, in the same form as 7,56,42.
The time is 1,31,32
